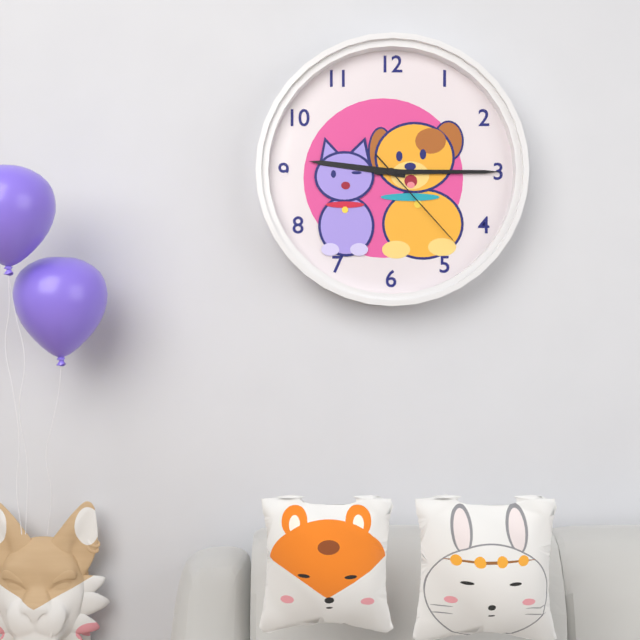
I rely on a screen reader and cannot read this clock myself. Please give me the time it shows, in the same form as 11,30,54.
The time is 9,15,23
